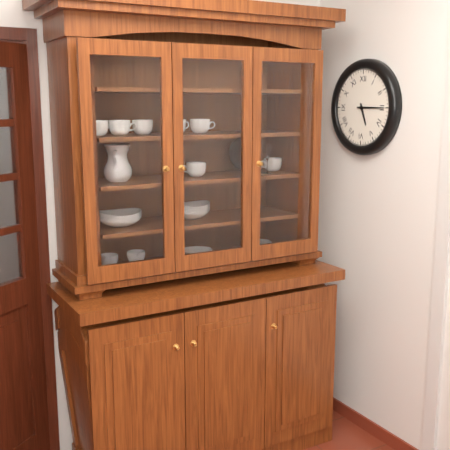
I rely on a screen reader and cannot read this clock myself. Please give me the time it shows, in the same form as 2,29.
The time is 5,15
